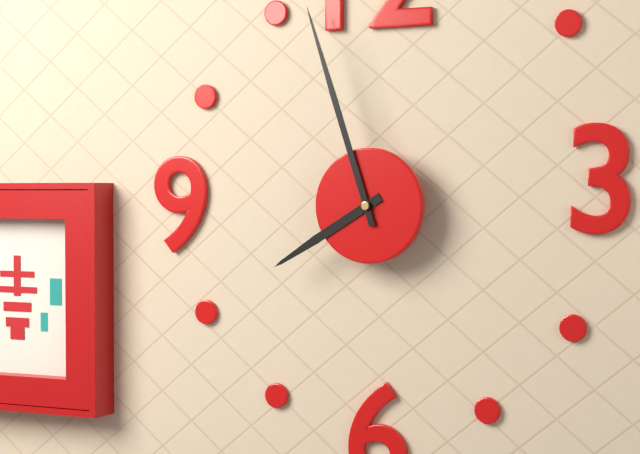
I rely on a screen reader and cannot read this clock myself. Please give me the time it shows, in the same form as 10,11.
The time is 7,57
